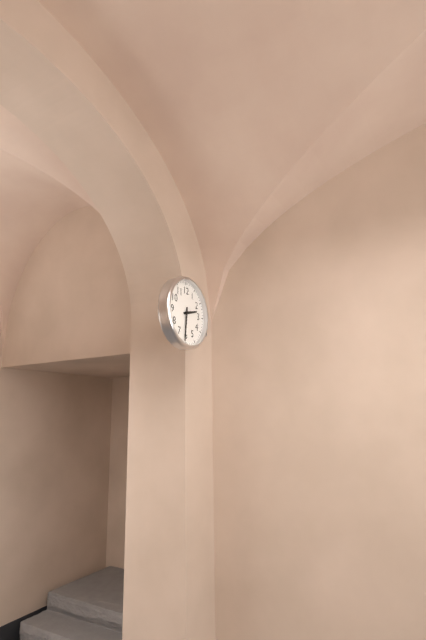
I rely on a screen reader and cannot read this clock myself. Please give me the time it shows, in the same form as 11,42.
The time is 2,31
